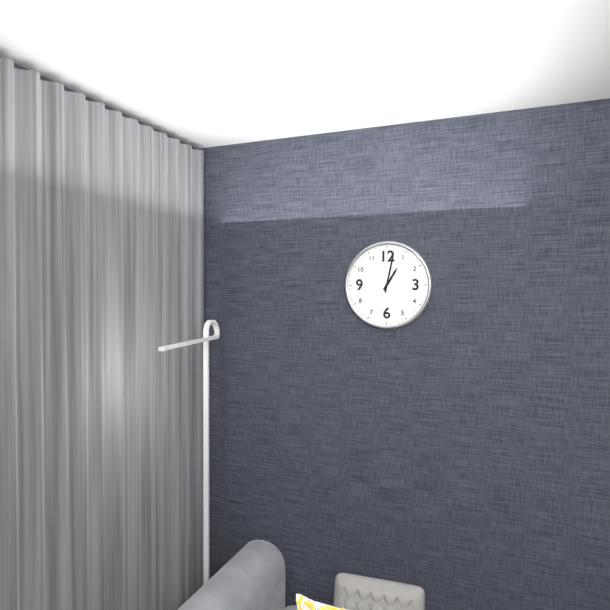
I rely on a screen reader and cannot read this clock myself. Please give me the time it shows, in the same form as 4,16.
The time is 1,02
